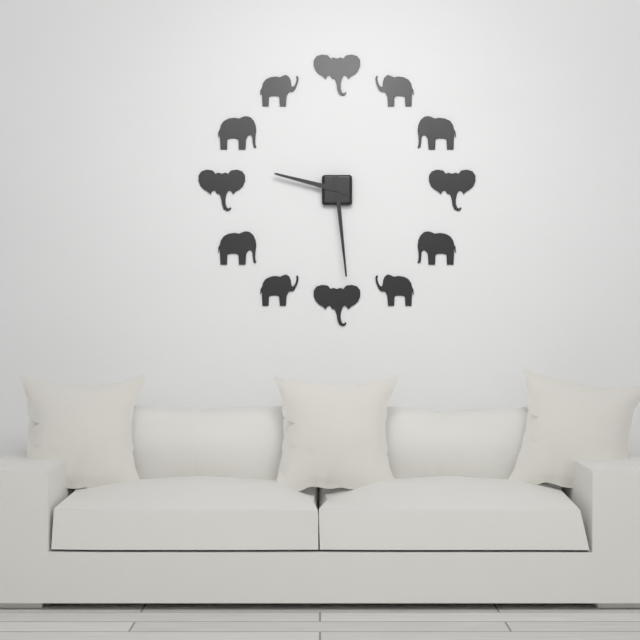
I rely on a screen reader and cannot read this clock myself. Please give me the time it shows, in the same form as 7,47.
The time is 9,29
